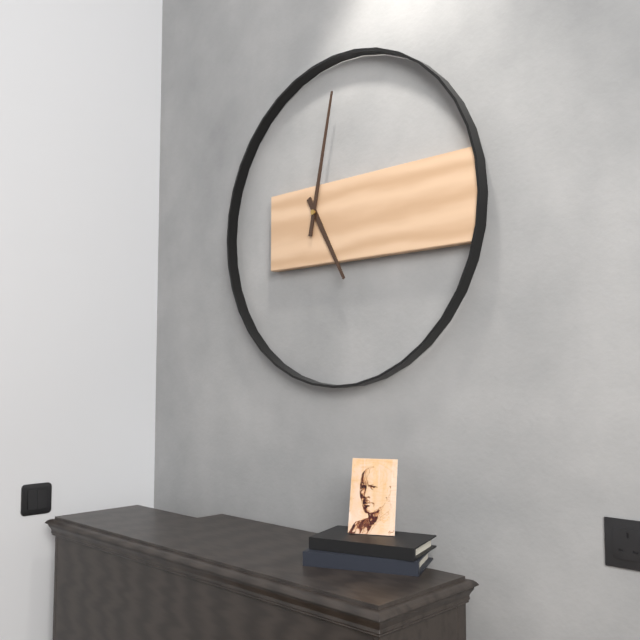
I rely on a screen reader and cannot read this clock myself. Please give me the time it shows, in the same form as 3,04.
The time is 5,02
